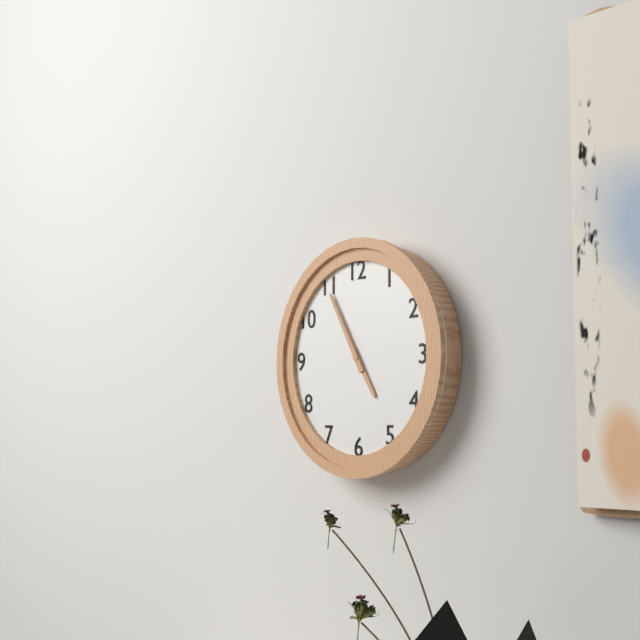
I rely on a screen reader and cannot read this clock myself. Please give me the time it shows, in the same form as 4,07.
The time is 4,55
